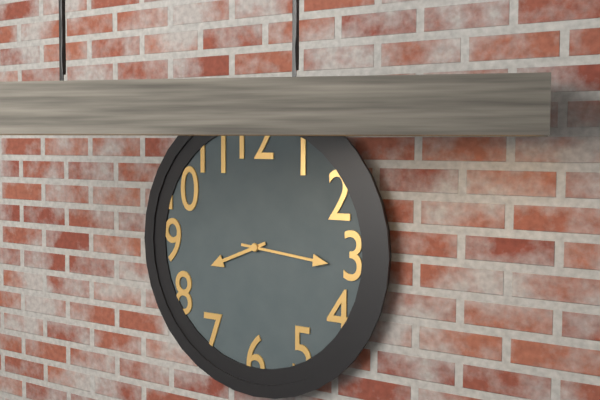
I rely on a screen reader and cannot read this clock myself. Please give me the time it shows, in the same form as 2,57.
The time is 8,16
